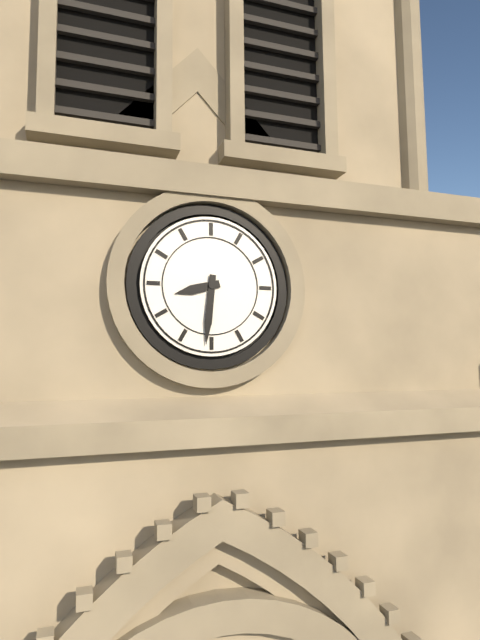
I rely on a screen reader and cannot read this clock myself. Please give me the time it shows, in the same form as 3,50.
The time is 8,31
